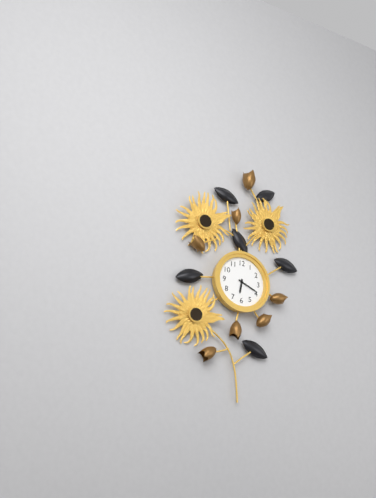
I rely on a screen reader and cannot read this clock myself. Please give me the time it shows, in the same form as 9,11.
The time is 6,19
